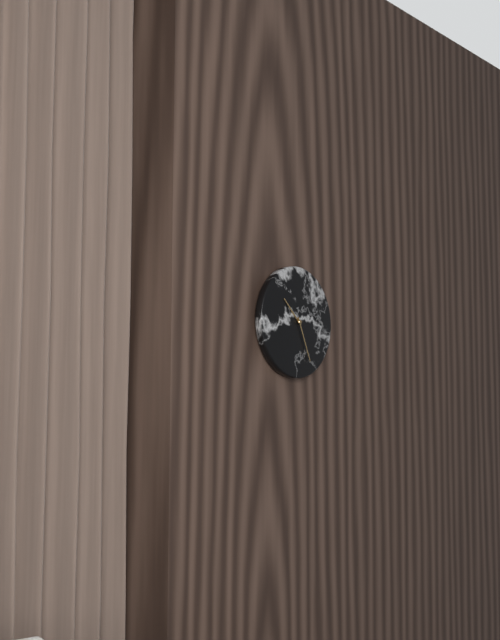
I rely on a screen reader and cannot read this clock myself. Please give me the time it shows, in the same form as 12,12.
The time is 10,26
